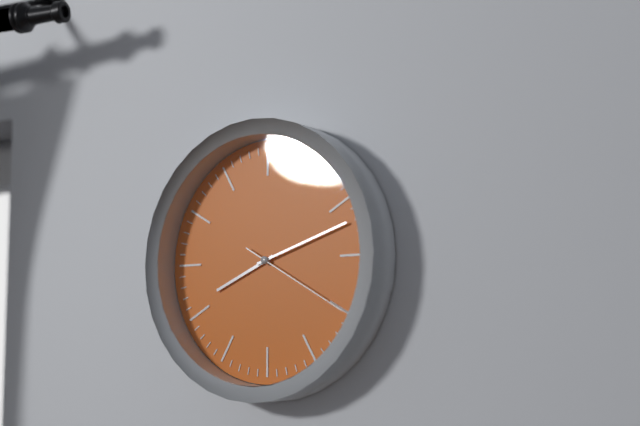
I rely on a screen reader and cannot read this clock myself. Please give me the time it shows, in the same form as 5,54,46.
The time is 8,12,20
